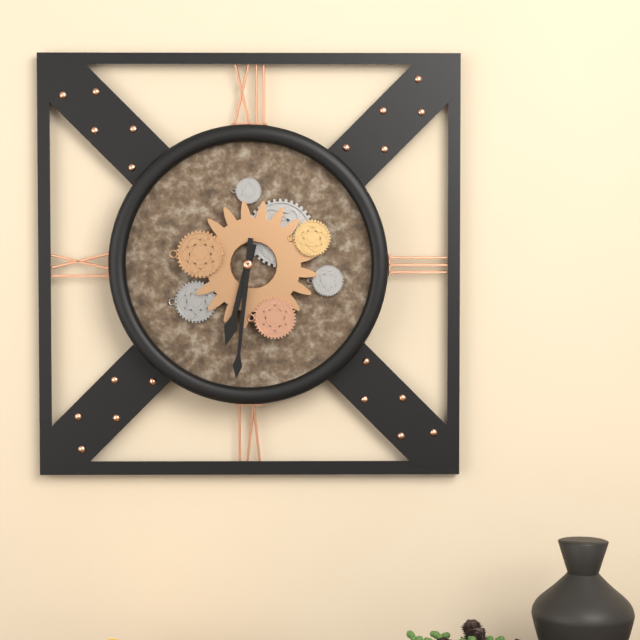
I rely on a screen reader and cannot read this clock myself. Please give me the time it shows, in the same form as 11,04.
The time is 6,31
